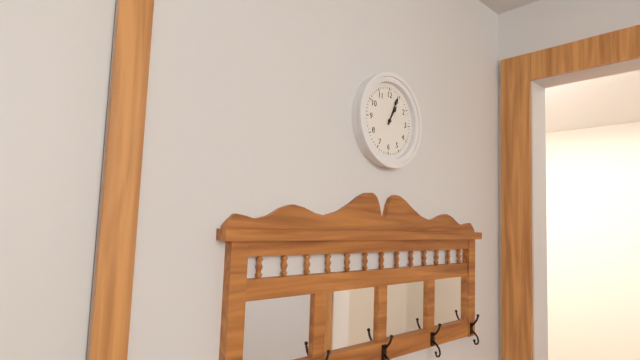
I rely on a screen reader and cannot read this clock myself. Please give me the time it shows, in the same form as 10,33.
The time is 1,04
